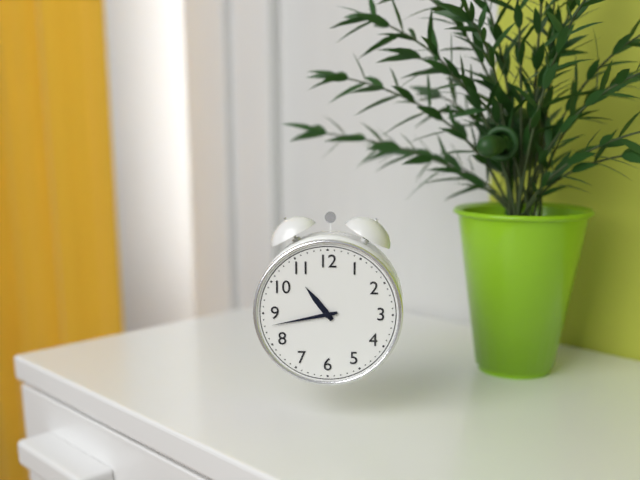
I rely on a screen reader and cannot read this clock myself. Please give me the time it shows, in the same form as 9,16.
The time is 10,43
